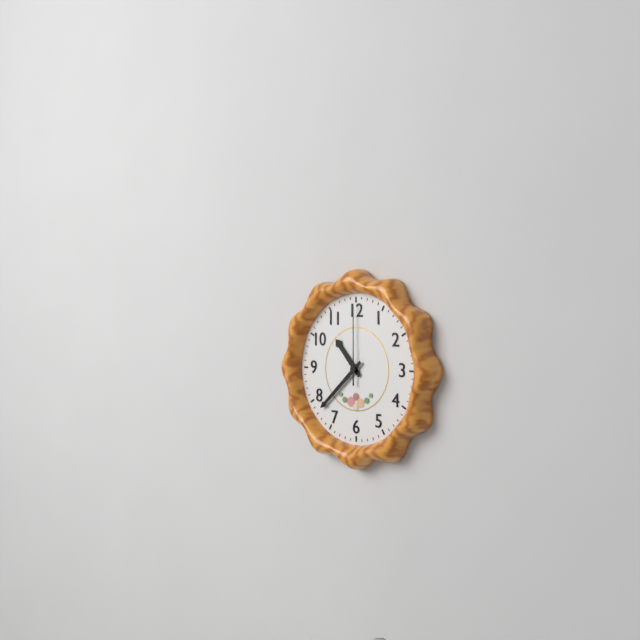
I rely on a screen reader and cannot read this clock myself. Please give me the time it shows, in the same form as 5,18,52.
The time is 10,38,00
